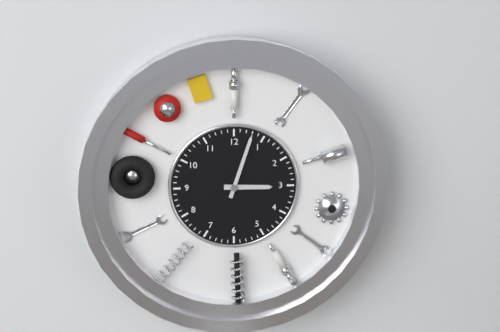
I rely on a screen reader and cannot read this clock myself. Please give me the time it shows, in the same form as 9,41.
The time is 3,03
